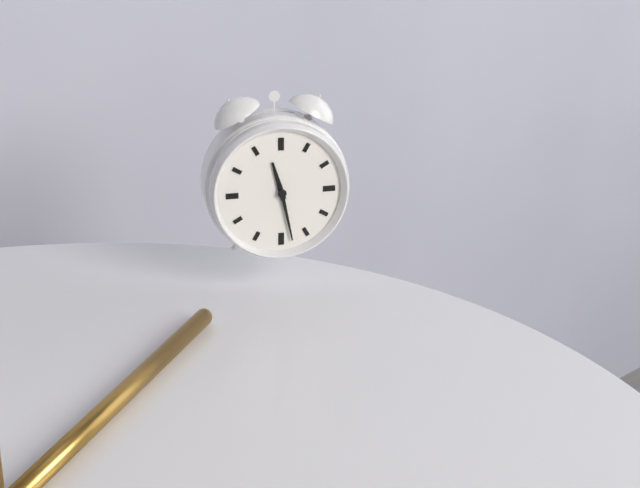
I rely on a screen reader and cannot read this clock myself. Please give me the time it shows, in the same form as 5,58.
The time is 11,28
